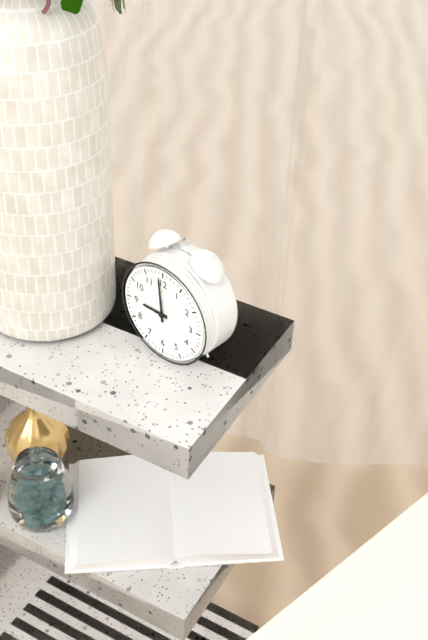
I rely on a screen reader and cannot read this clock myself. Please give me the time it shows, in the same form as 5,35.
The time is 8,59
